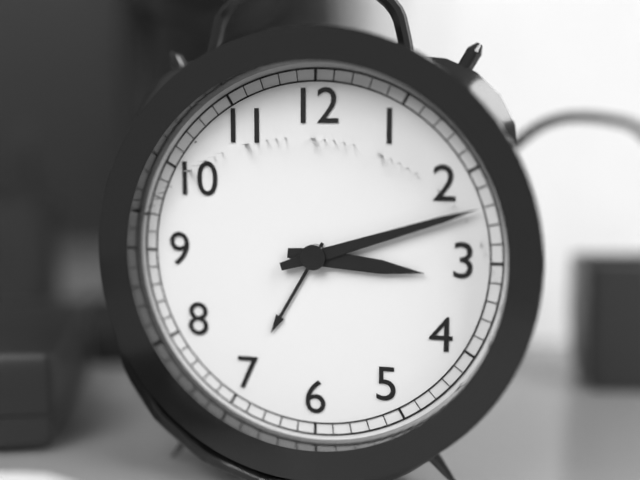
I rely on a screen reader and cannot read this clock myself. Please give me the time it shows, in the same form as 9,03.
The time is 3,12
